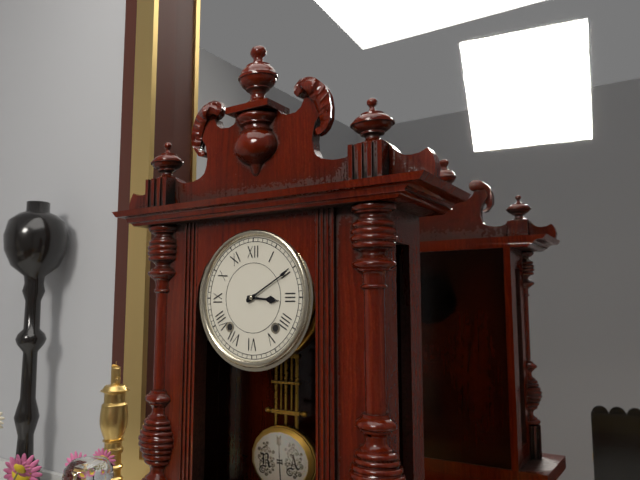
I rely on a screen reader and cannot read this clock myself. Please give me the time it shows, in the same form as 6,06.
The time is 3,10
